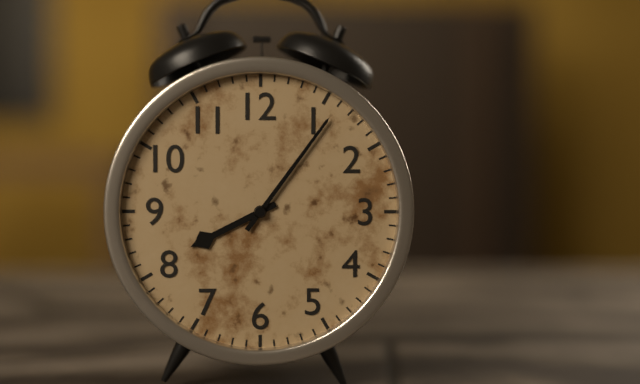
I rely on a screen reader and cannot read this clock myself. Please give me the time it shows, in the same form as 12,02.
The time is 8,06
